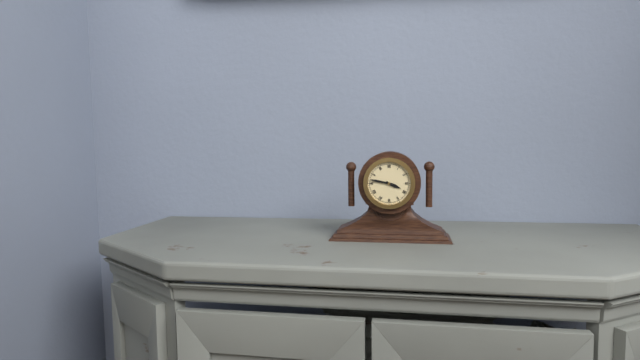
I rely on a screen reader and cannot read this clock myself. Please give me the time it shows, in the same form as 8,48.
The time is 3,47
